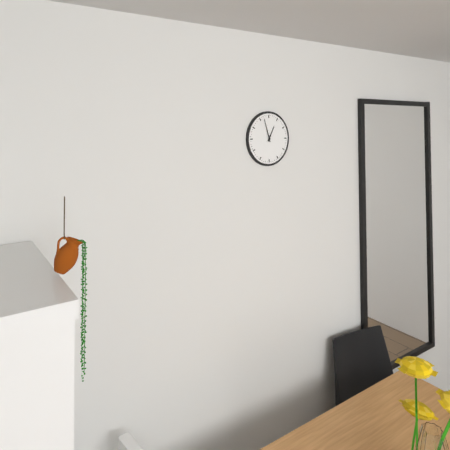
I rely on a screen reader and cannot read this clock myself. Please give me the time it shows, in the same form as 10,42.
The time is 12,57
